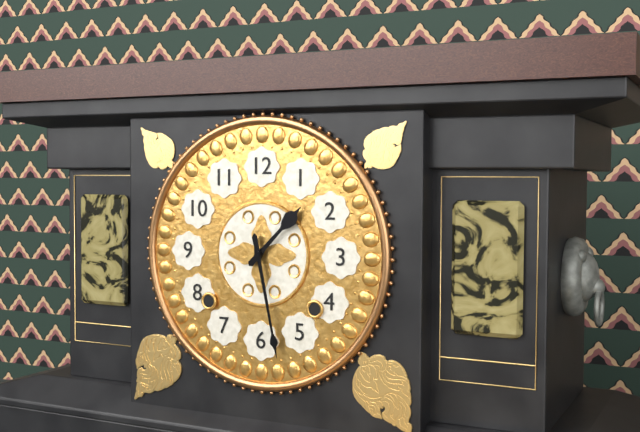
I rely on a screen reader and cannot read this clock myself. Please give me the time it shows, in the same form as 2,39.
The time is 1,28
